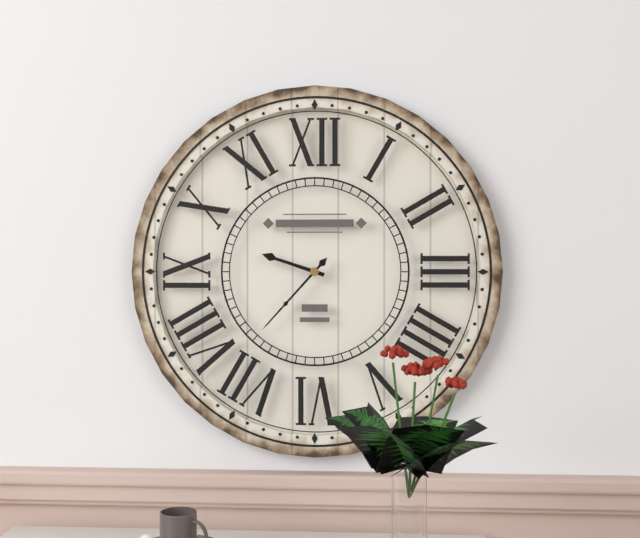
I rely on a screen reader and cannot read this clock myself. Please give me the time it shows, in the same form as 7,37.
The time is 9,37
